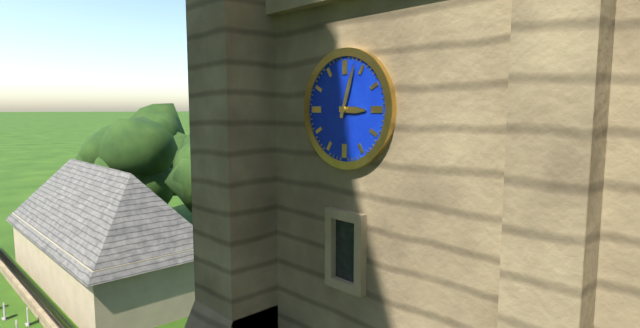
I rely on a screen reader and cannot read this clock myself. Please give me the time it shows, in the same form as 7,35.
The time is 3,03
